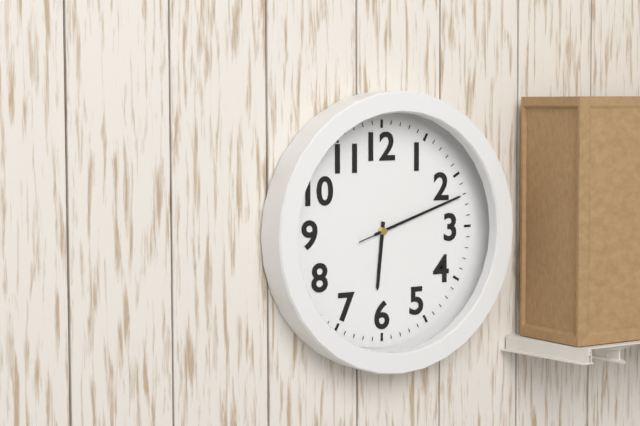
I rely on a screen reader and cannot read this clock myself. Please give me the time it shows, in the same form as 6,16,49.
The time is 6,12,12
